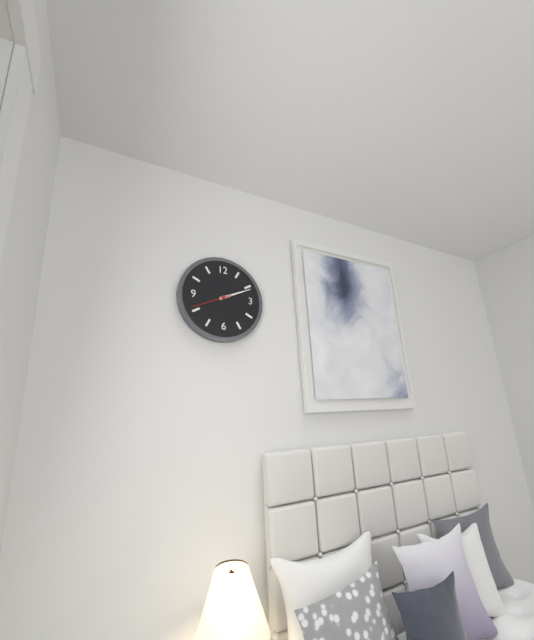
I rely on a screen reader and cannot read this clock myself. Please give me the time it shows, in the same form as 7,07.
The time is 2,11
